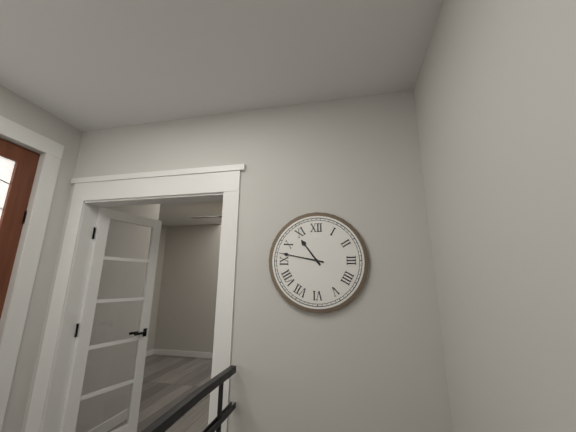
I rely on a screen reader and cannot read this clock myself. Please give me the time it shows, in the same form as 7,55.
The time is 10,47
